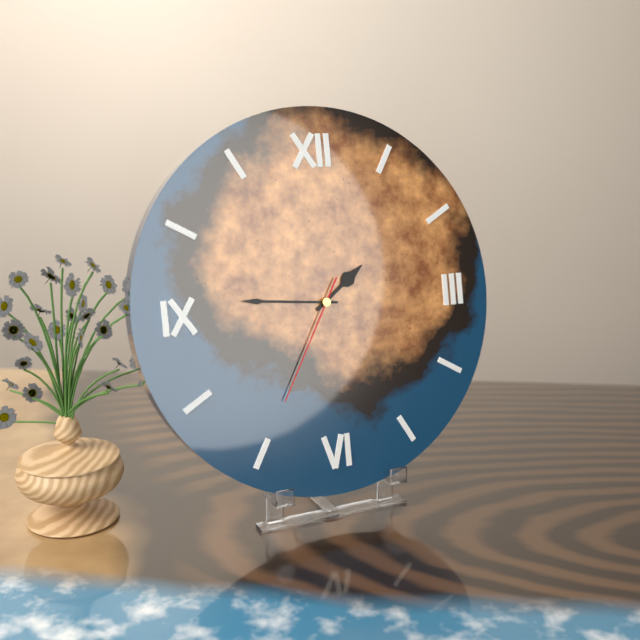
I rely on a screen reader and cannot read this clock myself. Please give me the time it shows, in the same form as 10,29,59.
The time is 1,46,35
